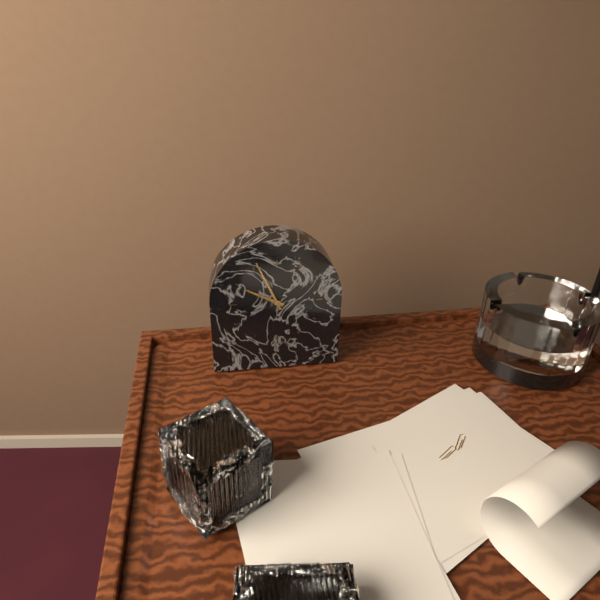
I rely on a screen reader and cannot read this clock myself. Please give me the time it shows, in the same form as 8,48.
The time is 9,56
